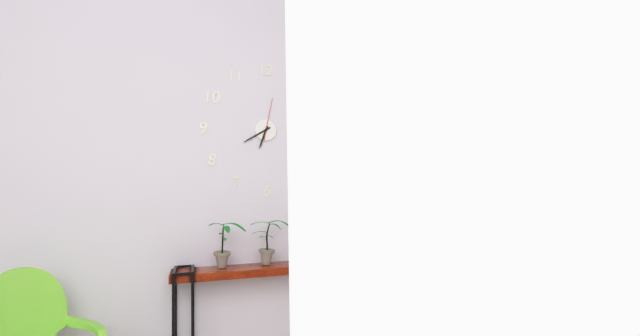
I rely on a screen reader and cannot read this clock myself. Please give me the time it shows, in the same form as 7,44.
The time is 6,40
